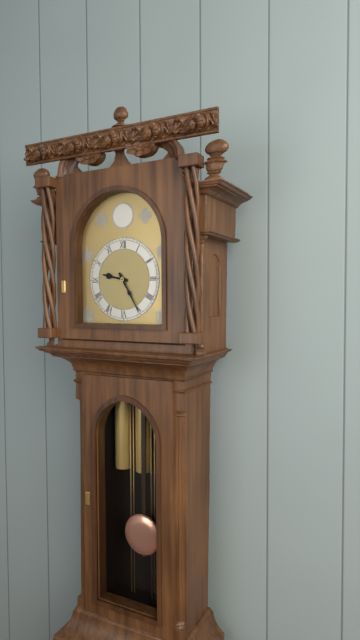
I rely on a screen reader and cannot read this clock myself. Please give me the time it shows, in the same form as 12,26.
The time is 9,25
